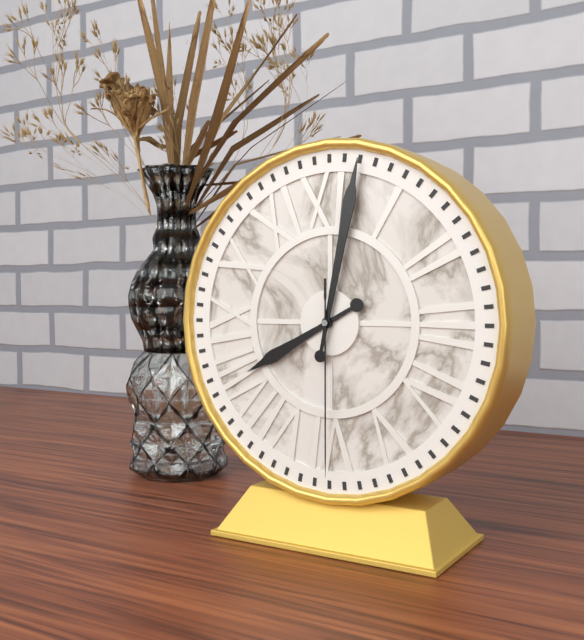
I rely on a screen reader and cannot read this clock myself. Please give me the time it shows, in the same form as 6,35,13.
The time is 8,02,30
